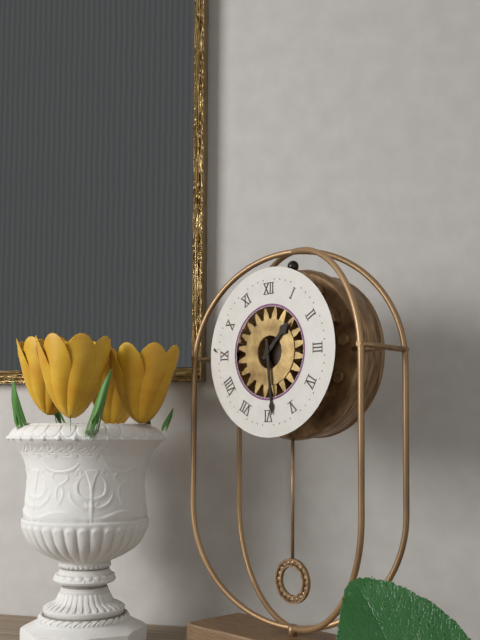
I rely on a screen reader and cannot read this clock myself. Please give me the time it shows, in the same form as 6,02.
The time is 1,29
